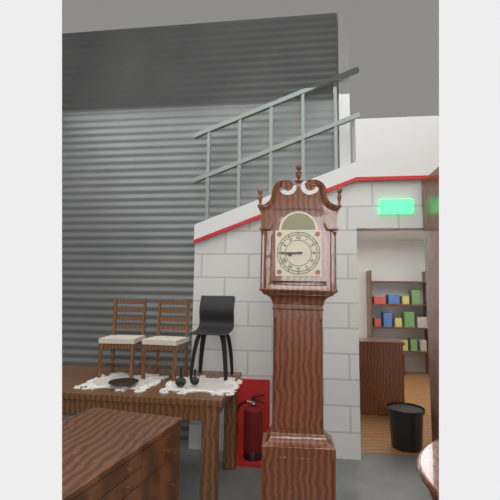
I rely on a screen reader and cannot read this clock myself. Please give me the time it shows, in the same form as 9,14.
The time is 8,45
